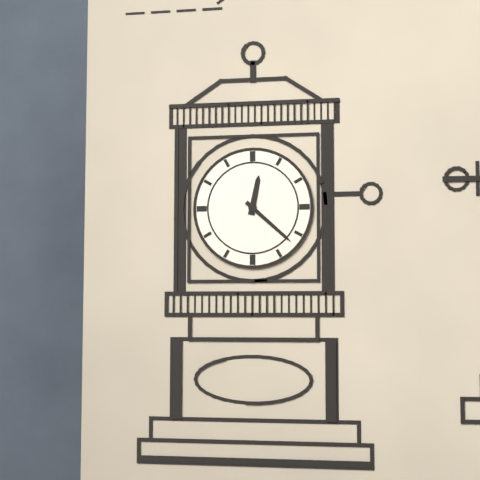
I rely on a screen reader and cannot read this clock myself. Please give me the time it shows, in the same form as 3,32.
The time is 12,22
